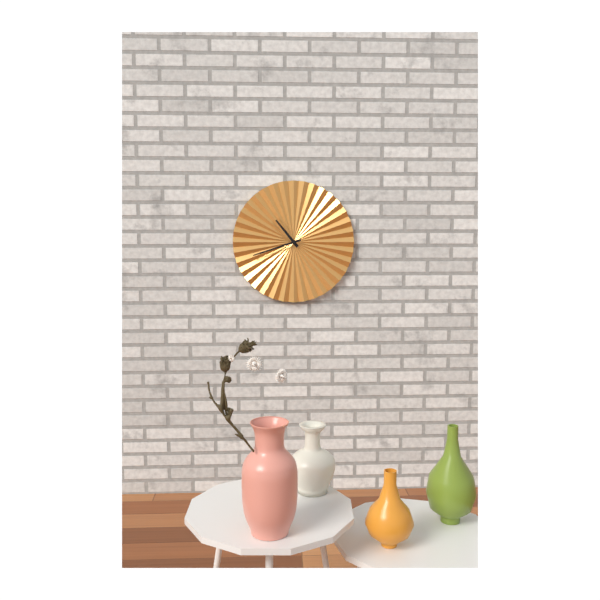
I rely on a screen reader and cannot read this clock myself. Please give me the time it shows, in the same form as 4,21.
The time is 10,42
